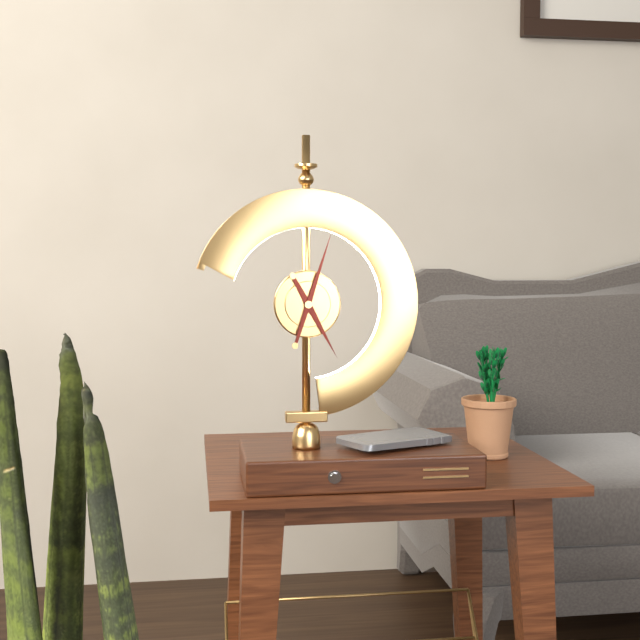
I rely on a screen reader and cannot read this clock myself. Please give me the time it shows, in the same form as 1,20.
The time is 5,03
